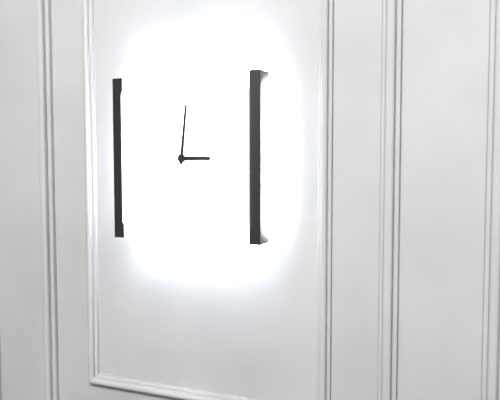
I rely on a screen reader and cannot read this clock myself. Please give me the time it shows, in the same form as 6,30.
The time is 3,01
